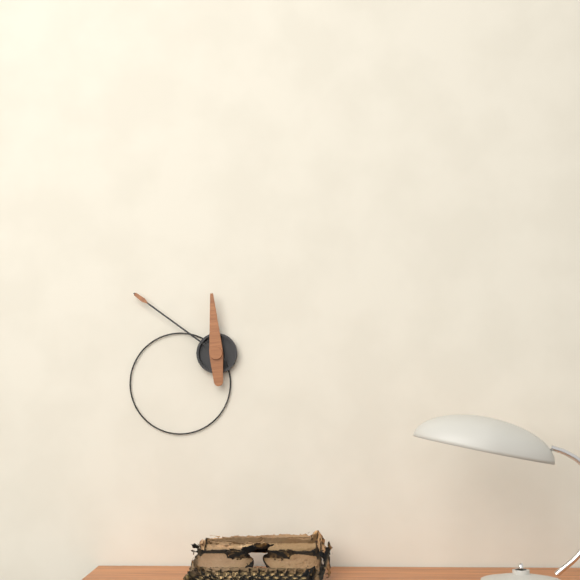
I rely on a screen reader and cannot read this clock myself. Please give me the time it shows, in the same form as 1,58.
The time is 11,51
